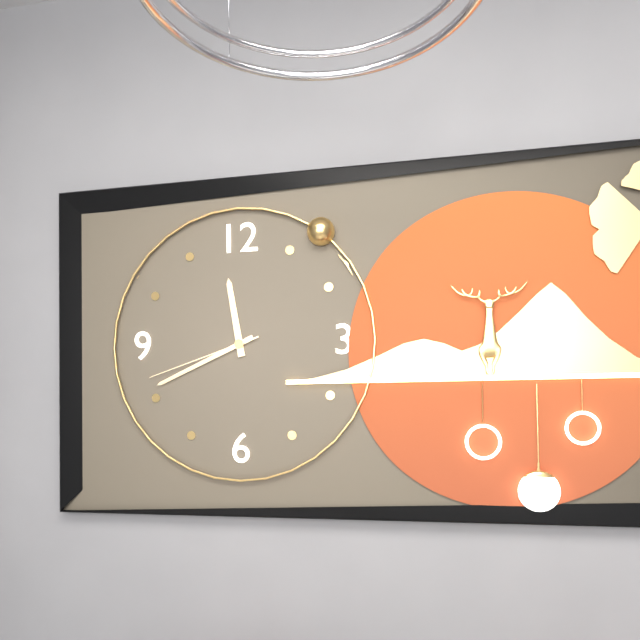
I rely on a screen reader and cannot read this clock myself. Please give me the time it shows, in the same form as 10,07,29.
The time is 11,41,42
